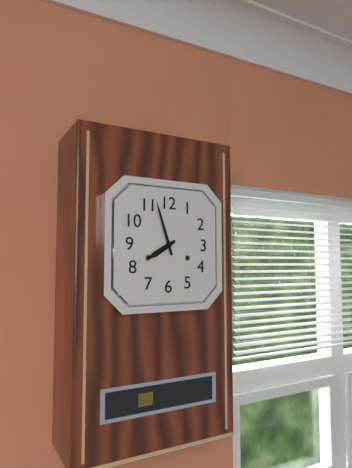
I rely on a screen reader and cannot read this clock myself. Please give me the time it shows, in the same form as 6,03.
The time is 7,57
